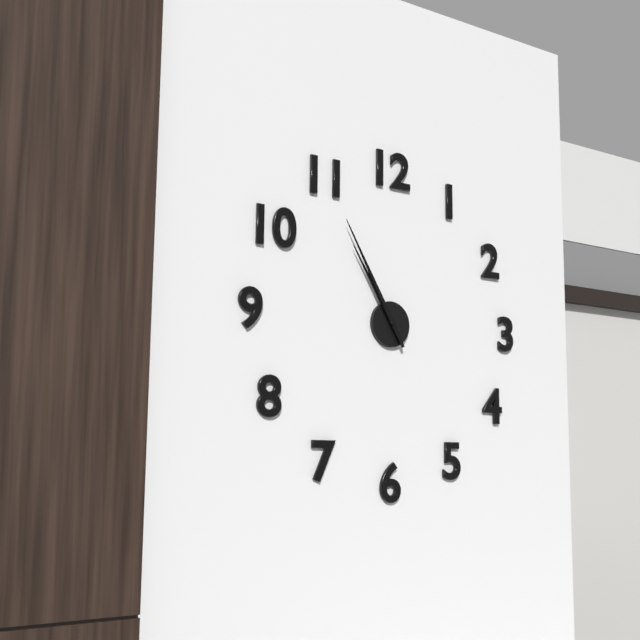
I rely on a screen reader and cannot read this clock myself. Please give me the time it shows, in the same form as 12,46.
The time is 10,55
